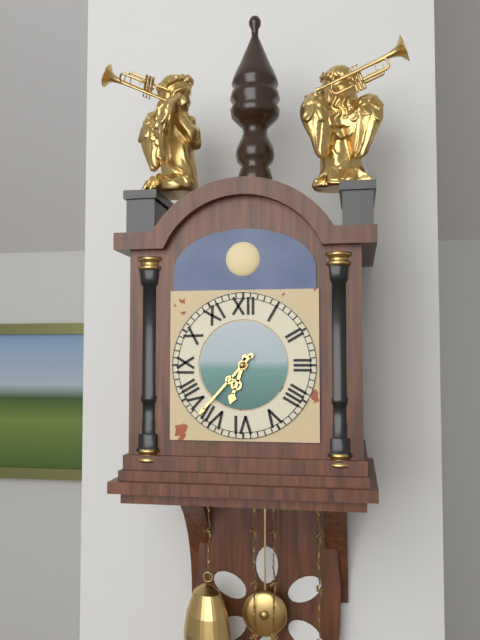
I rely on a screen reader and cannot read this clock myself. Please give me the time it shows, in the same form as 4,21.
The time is 6,37
